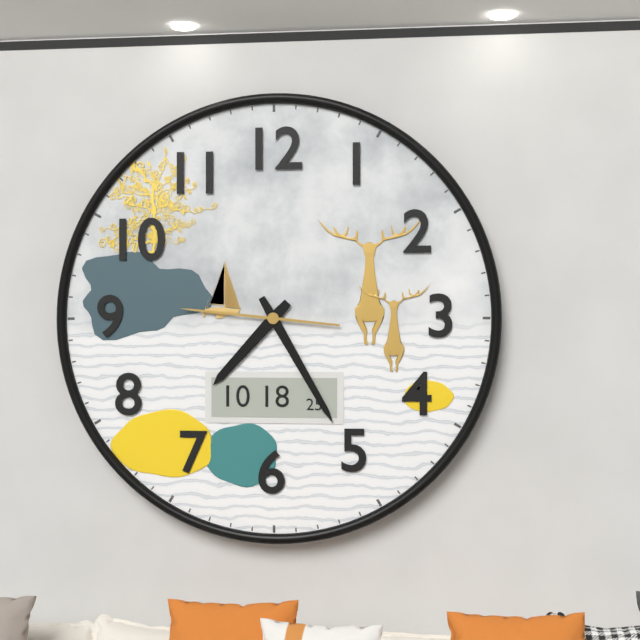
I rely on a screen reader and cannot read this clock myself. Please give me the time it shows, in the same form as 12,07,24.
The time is 7,25,46
